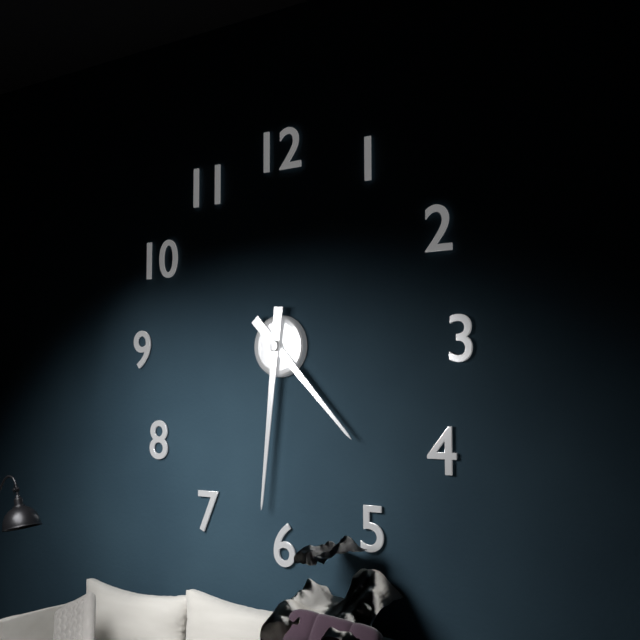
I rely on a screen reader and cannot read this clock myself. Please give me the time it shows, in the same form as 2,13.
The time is 4,31
